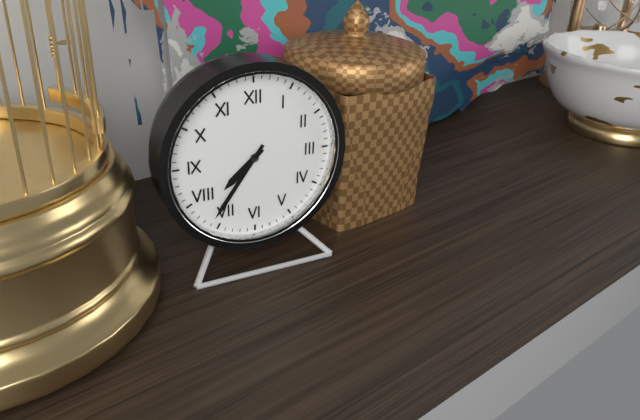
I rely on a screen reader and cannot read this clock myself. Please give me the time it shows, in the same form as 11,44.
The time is 7,36
